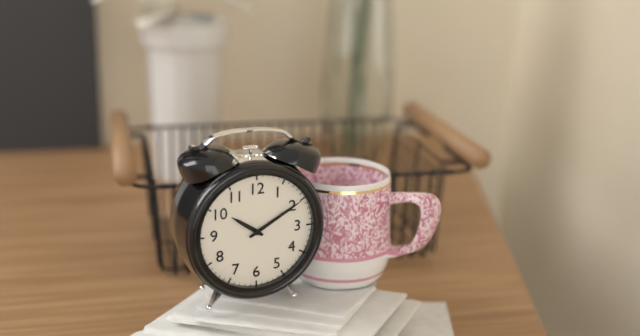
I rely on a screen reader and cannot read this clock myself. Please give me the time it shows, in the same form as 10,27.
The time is 10,10
